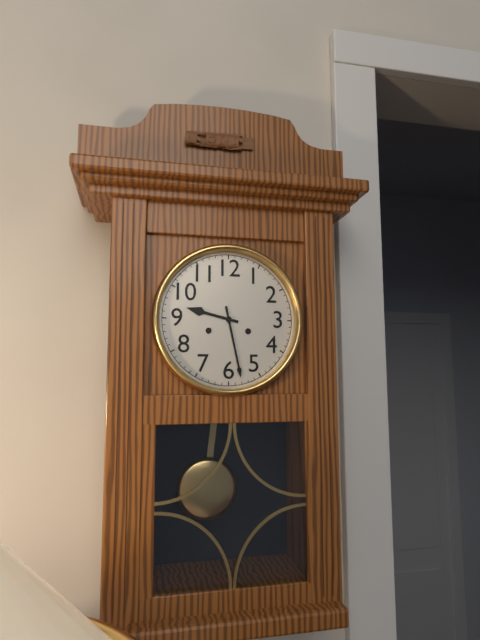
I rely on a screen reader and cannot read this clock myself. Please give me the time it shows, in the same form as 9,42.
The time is 9,28
